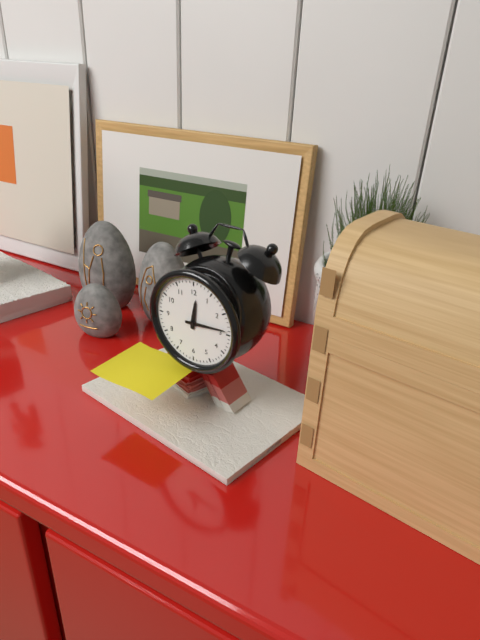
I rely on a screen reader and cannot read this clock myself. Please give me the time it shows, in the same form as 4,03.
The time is 12,14
